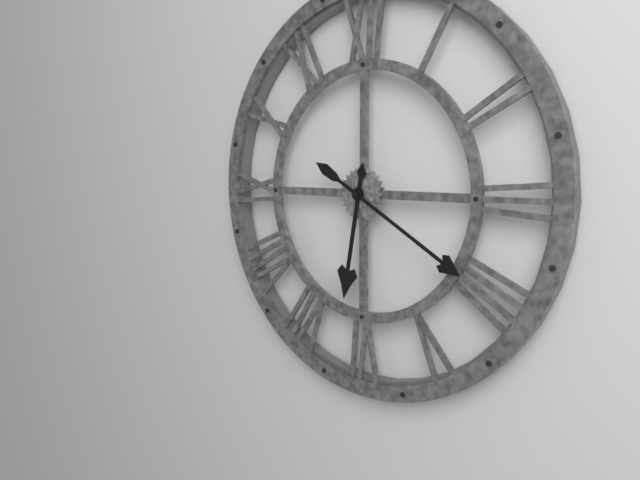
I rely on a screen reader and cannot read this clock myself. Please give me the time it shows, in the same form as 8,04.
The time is 6,20
